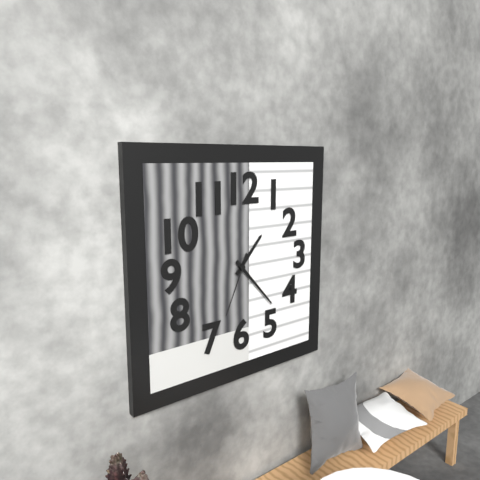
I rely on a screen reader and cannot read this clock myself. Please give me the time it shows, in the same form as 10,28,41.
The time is 1,23,34
